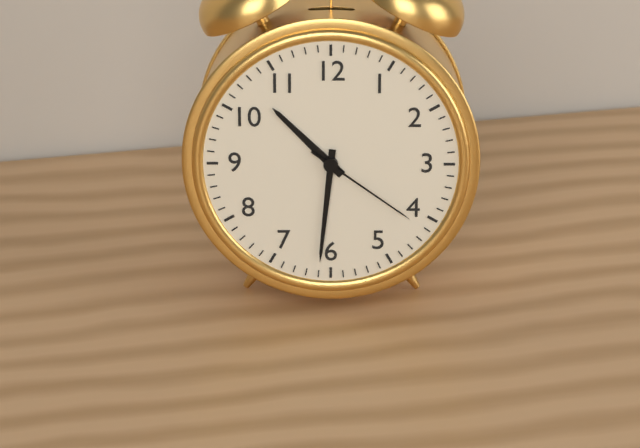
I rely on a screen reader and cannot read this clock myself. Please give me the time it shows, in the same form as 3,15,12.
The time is 10,31,21
